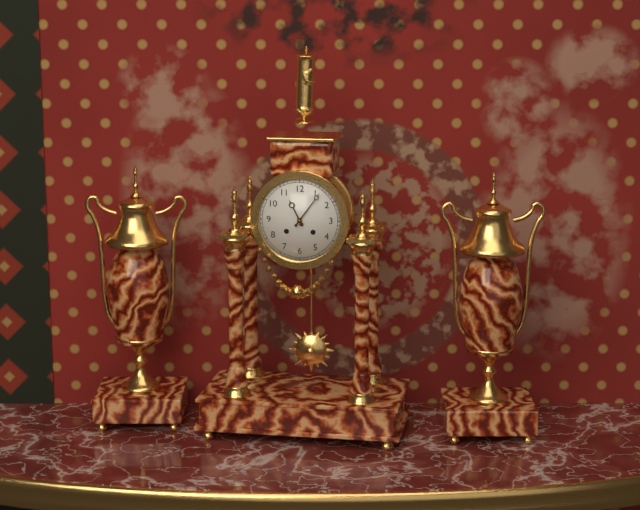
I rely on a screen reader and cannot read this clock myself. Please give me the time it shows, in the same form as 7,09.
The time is 11,06
